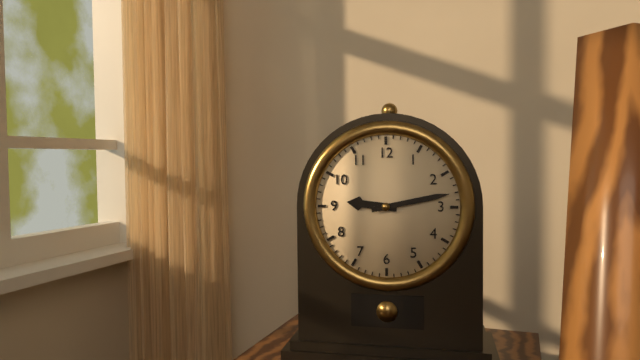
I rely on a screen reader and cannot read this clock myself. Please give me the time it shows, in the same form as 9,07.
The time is 9,13
